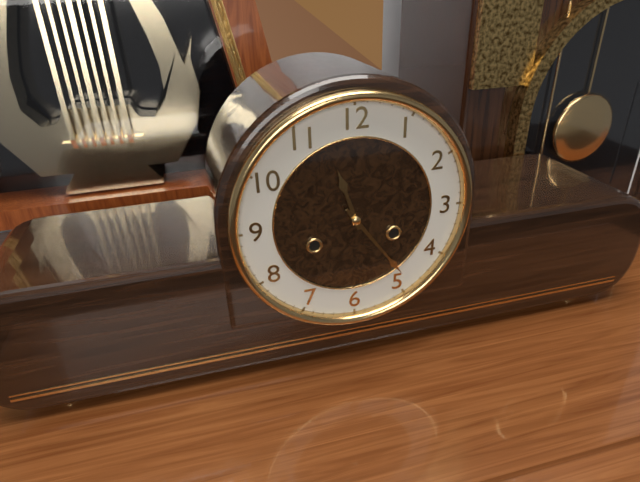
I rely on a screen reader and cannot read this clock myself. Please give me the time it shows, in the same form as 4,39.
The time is 11,24
